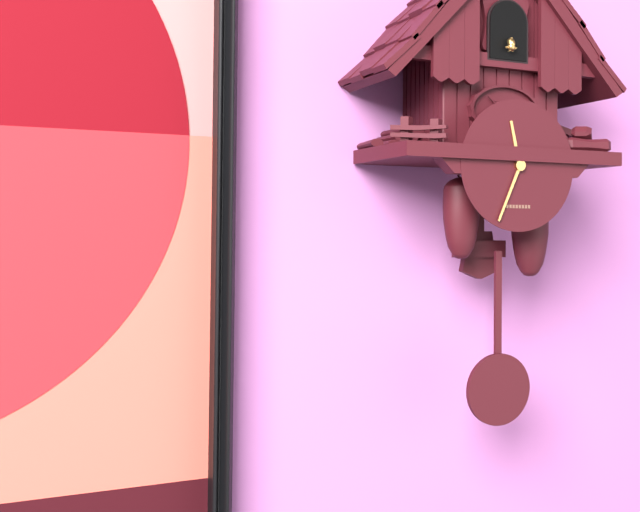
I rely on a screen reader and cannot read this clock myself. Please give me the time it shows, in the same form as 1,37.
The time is 11,34
